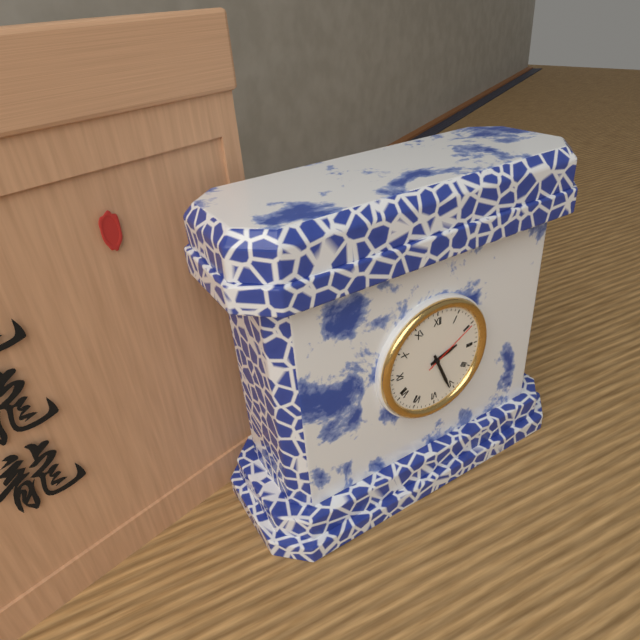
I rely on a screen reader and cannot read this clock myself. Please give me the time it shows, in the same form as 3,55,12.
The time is 2,26,10
